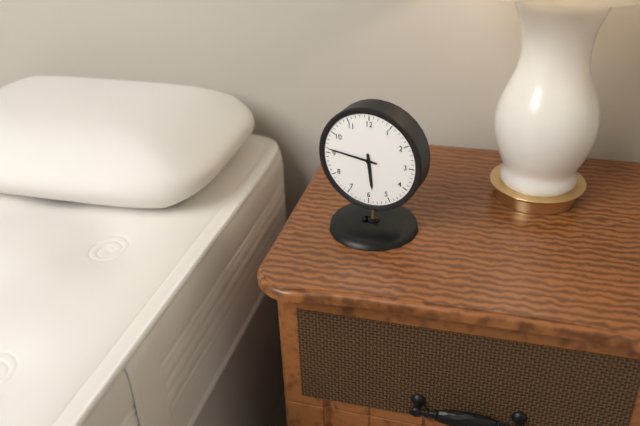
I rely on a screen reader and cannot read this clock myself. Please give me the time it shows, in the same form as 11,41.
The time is 5,46
